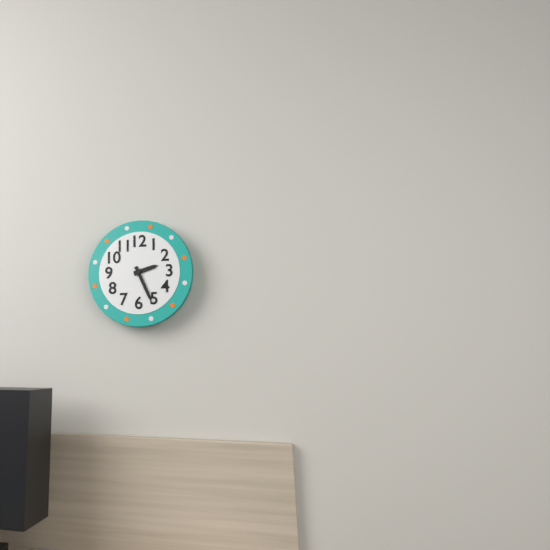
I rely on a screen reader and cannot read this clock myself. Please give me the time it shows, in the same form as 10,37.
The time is 2,26
